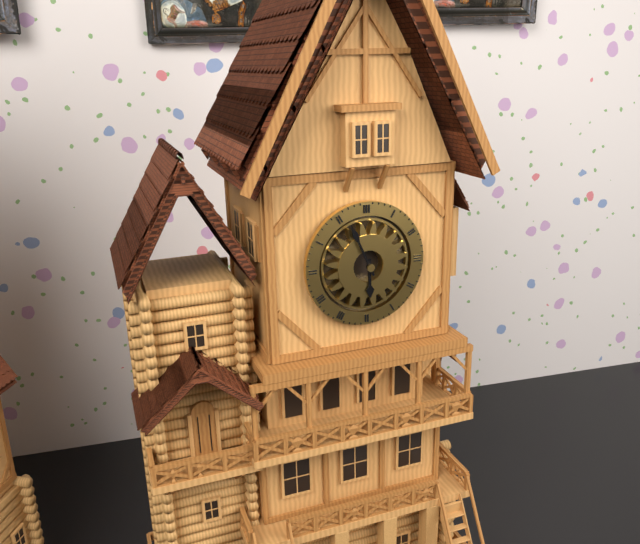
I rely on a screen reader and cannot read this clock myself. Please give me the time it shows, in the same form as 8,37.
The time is 5,56
